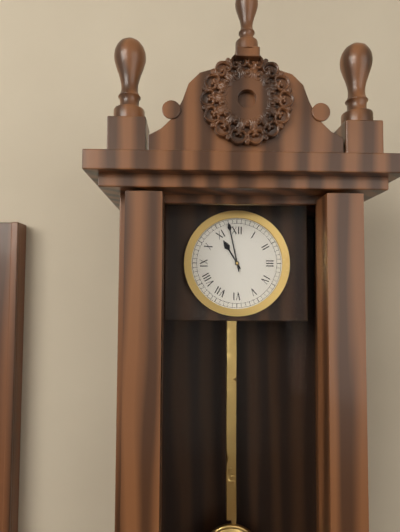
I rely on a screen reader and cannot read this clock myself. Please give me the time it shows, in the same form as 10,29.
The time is 10,58
